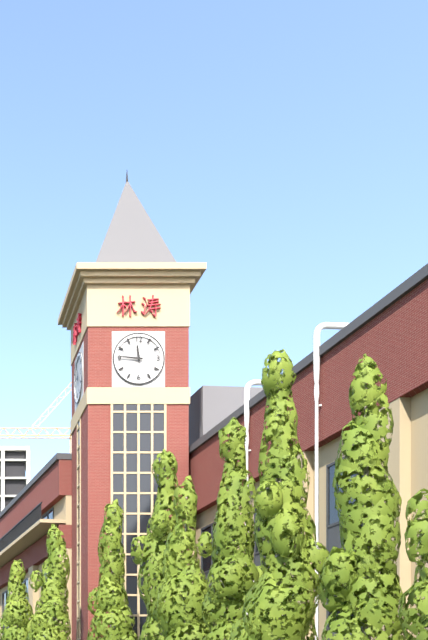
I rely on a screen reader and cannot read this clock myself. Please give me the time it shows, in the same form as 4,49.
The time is 11,46
